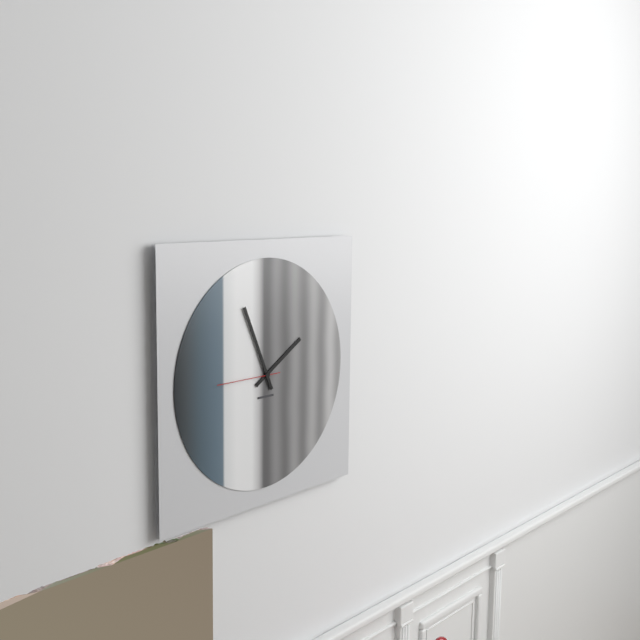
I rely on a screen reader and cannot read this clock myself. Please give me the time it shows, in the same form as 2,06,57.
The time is 1,56,45
